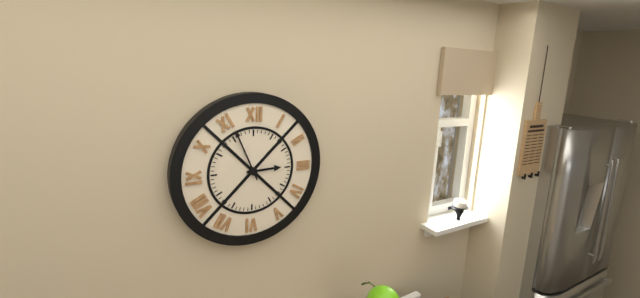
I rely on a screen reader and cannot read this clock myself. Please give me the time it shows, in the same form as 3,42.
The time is 2,56
